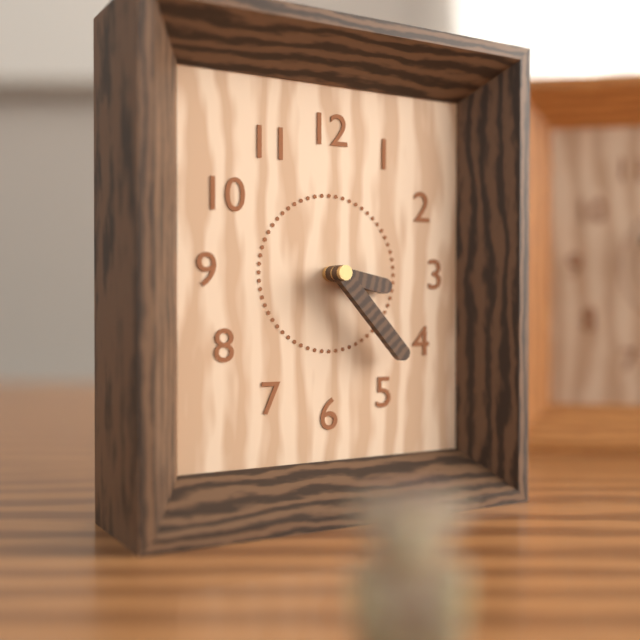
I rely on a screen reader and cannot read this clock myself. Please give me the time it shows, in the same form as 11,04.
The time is 3,23
